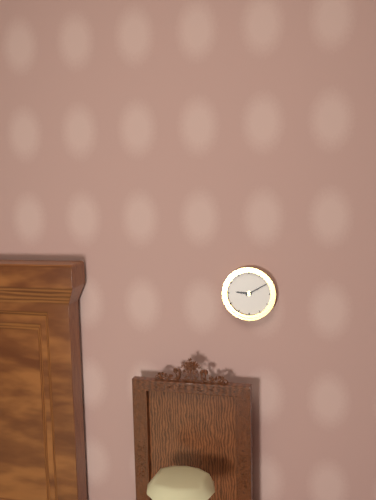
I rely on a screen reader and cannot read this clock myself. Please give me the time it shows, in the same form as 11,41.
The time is 9,10
